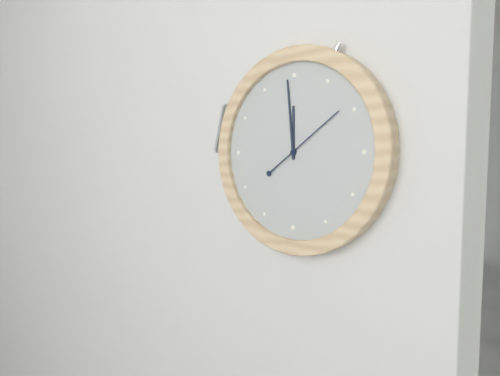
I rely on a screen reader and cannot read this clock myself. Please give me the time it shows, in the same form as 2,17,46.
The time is 11,59,09
